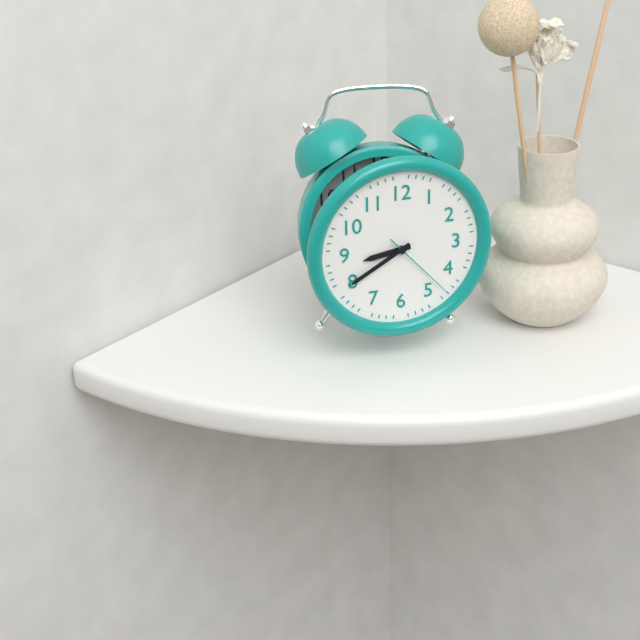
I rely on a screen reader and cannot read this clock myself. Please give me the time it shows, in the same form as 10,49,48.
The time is 8,40,23
